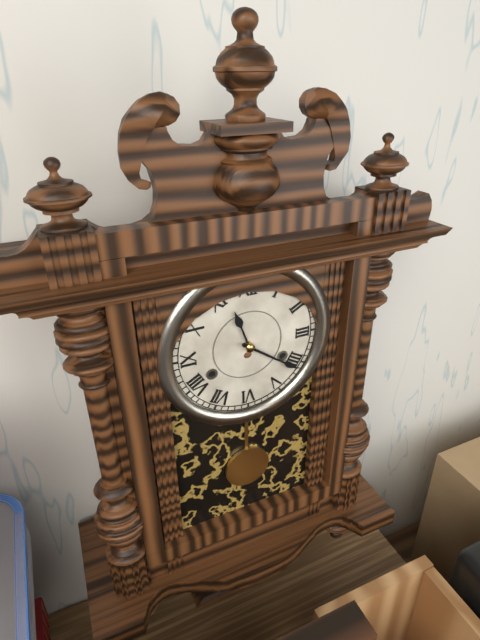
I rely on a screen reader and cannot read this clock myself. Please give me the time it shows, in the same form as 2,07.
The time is 11,21
